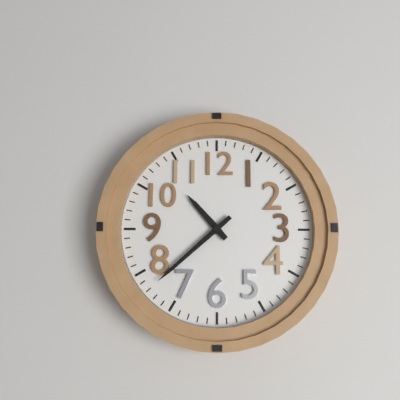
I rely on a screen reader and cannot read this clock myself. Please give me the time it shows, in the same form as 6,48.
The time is 10,38
